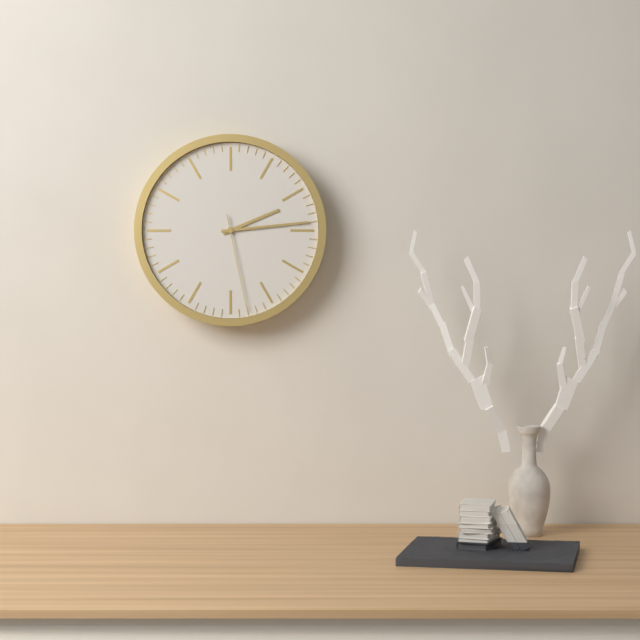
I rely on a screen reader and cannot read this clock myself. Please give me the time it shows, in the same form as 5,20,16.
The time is 2,14,28
